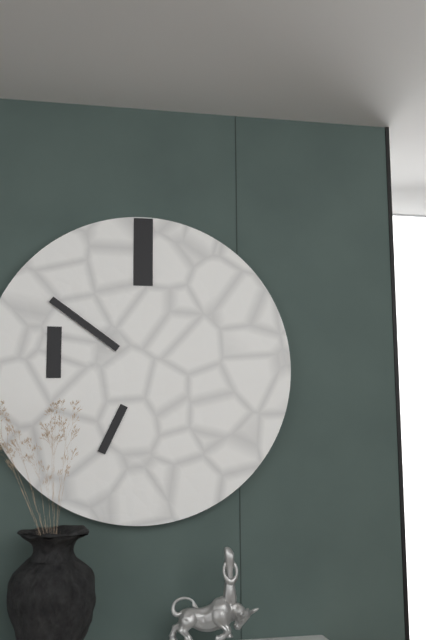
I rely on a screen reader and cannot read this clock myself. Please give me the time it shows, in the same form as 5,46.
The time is 6,51
